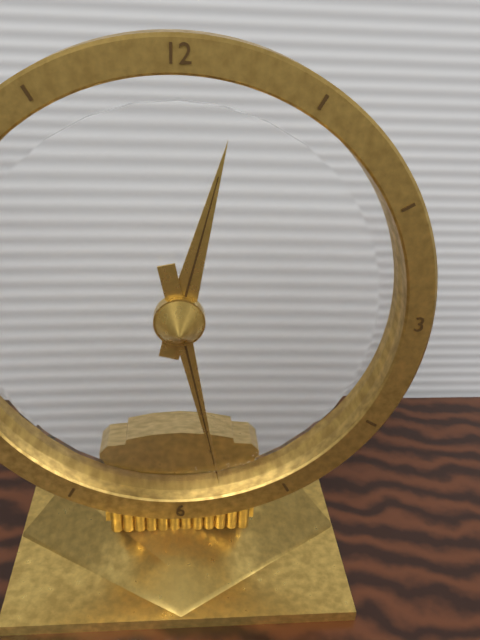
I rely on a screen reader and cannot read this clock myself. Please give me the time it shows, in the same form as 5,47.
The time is 12,28
